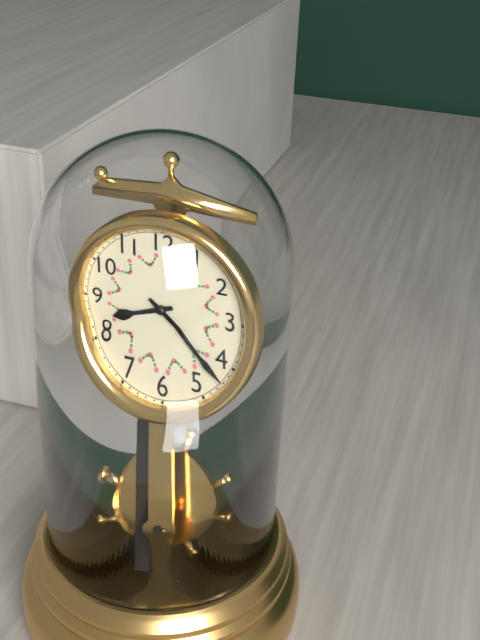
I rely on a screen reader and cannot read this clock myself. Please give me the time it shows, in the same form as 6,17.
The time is 8,22
